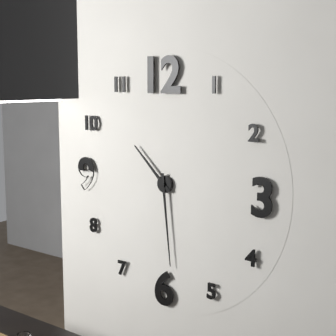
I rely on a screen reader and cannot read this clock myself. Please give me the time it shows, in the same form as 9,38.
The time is 10,29
